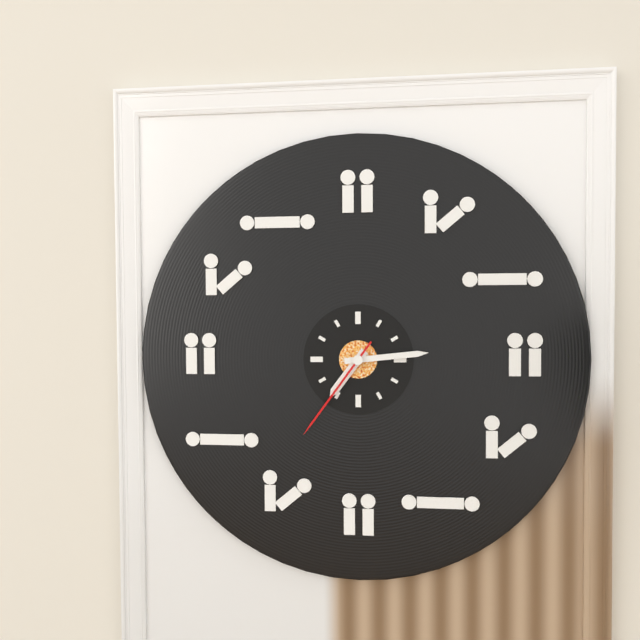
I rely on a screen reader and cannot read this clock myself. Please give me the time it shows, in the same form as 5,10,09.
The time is 7,14,36
